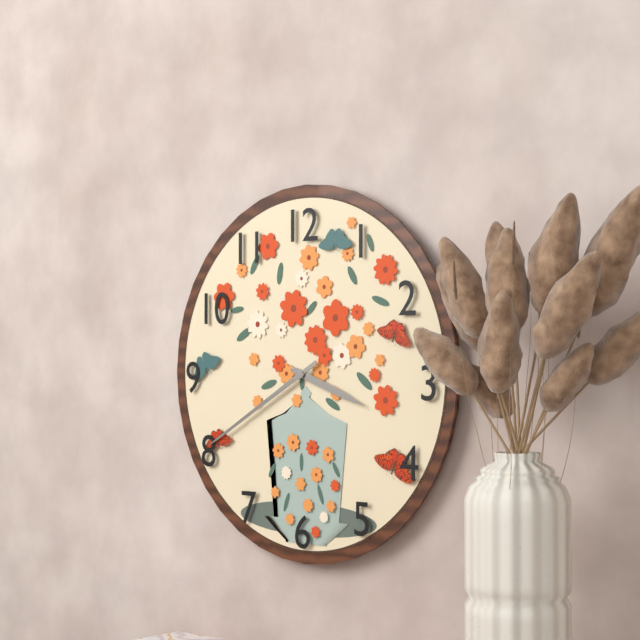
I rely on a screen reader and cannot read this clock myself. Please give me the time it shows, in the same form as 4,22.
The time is 3,40
